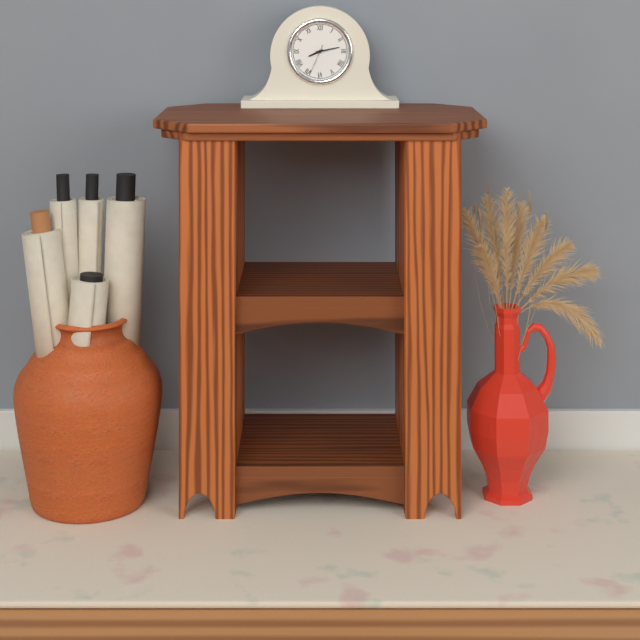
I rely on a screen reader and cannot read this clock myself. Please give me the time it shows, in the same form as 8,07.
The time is 8,13
